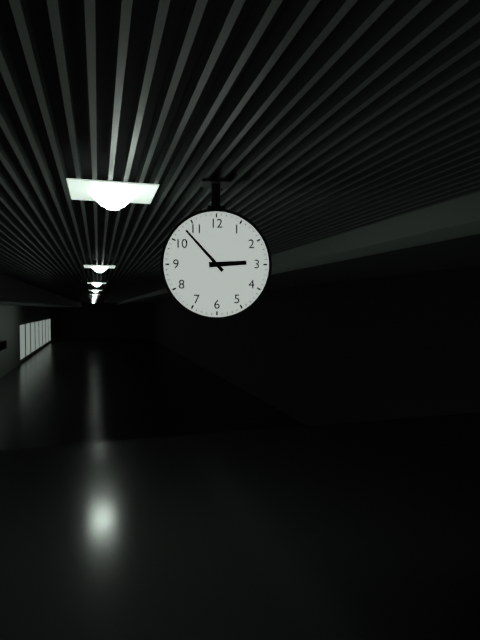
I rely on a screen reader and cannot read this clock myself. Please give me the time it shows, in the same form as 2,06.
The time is 2,53
